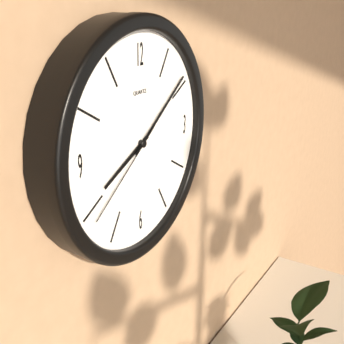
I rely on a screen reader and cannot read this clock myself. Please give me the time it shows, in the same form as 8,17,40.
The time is 8,09,39
